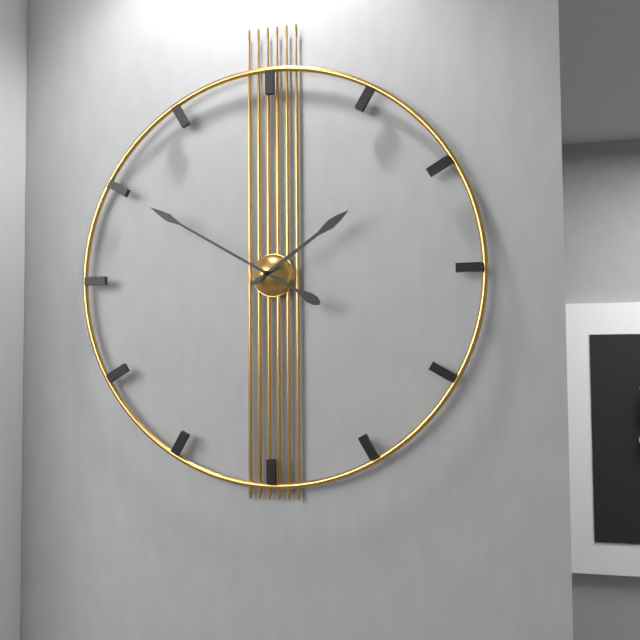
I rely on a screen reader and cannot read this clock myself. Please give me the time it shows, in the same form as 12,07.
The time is 1,50
